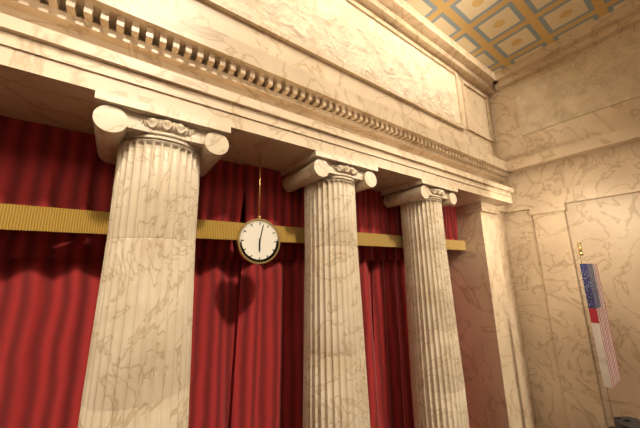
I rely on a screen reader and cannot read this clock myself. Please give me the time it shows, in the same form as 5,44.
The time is 6,02
